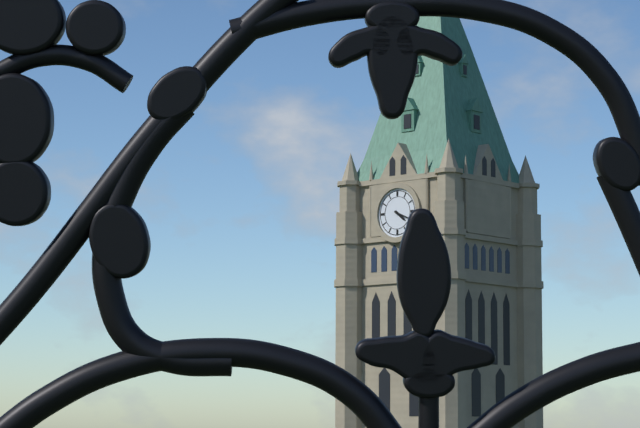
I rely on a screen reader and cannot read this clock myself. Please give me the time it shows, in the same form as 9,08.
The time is 4,19
